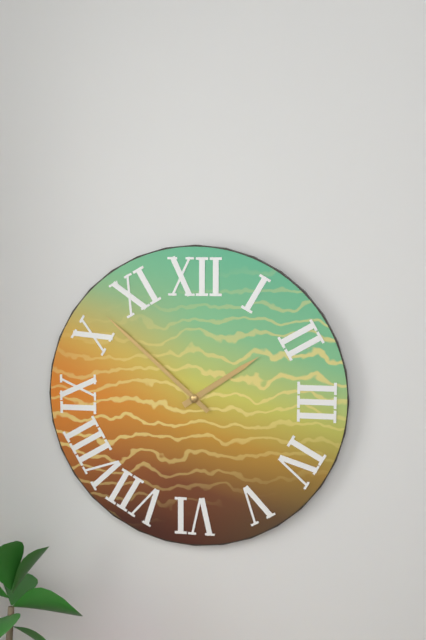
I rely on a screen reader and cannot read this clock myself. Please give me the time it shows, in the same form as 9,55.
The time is 1,52
